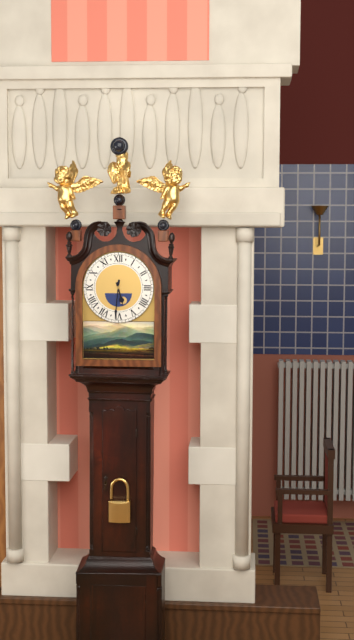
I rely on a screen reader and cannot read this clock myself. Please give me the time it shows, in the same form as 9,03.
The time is 5,31
